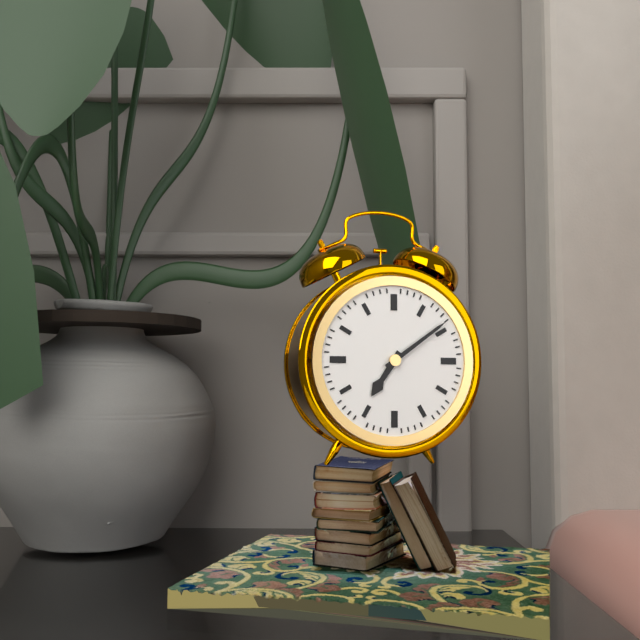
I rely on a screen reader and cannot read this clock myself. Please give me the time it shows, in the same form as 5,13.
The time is 7,09
